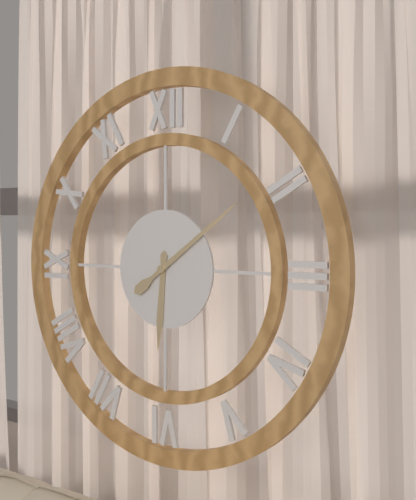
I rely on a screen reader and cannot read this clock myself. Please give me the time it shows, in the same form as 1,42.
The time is 6,09
